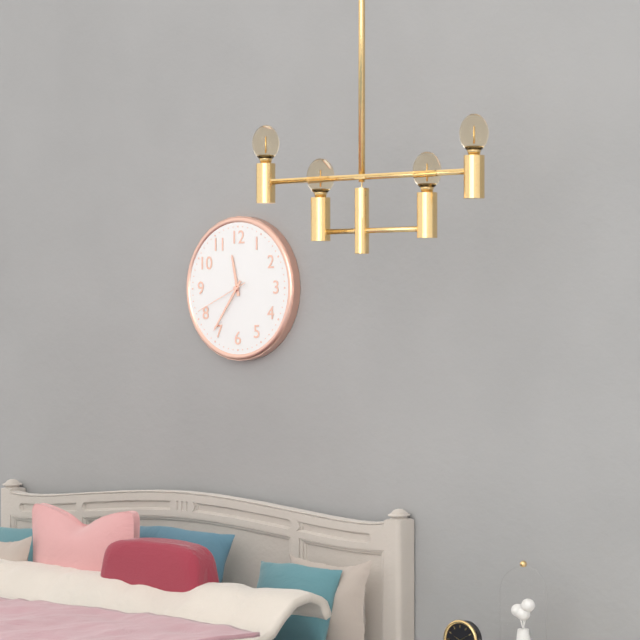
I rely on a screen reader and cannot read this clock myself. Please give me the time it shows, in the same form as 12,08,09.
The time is 11,36,41
